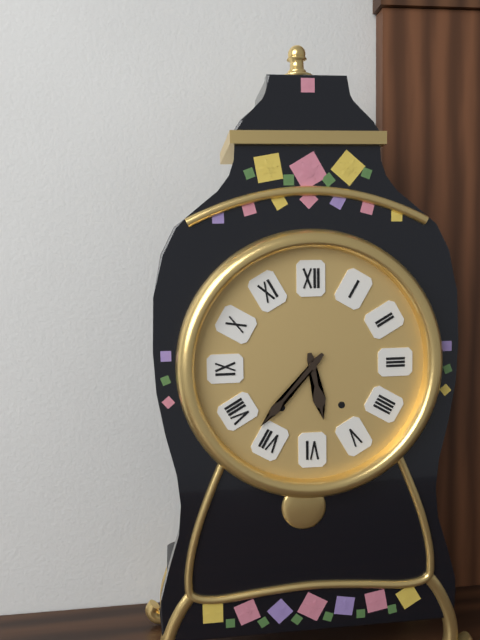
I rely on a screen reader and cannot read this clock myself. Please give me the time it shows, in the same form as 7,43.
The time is 5,37
